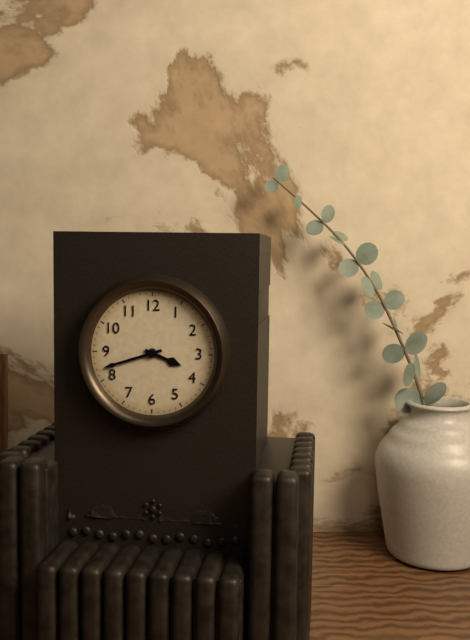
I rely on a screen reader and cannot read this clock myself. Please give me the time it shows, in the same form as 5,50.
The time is 3,42
